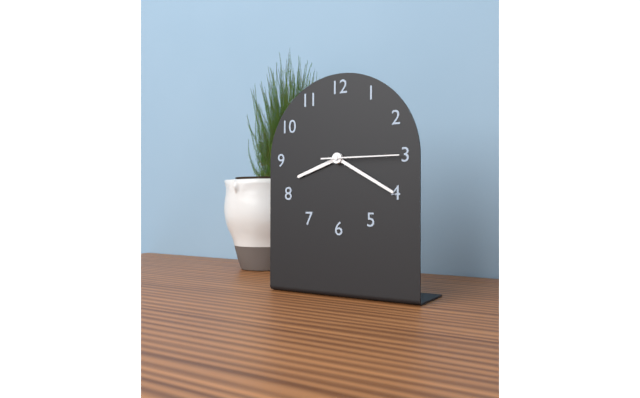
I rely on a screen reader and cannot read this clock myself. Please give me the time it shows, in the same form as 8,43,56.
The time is 8,20,15
